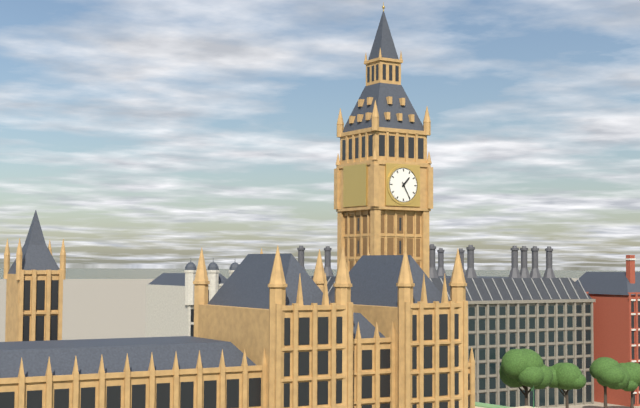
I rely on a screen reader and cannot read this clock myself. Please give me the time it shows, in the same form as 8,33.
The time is 1,25
